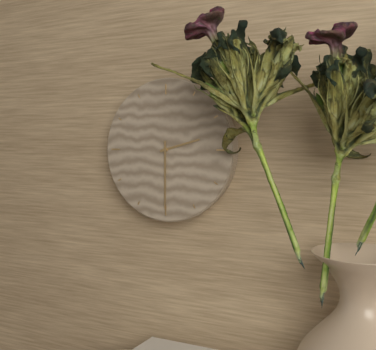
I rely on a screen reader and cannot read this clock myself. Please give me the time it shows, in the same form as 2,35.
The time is 2,30
